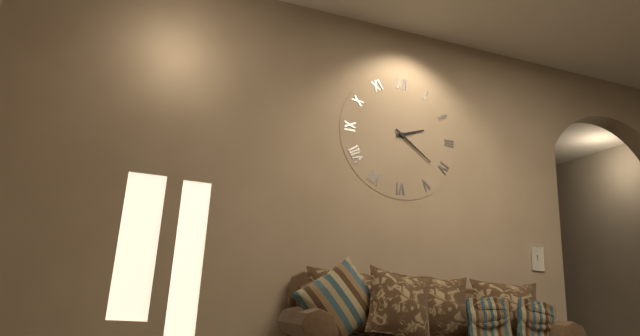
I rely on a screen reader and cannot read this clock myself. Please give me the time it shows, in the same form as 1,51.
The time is 2,21
